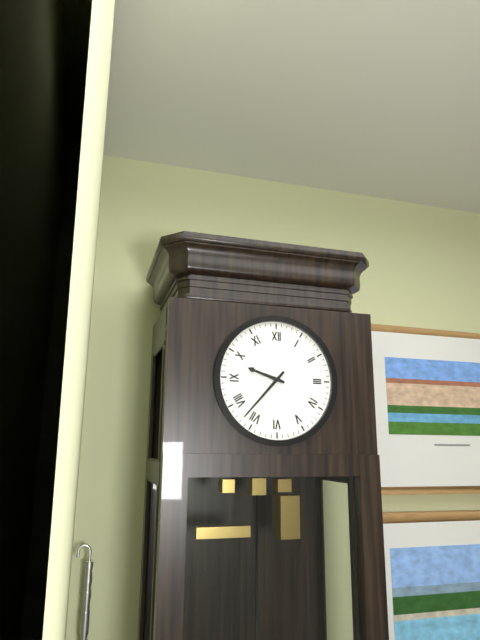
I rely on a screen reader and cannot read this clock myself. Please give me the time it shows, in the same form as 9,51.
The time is 9,37
